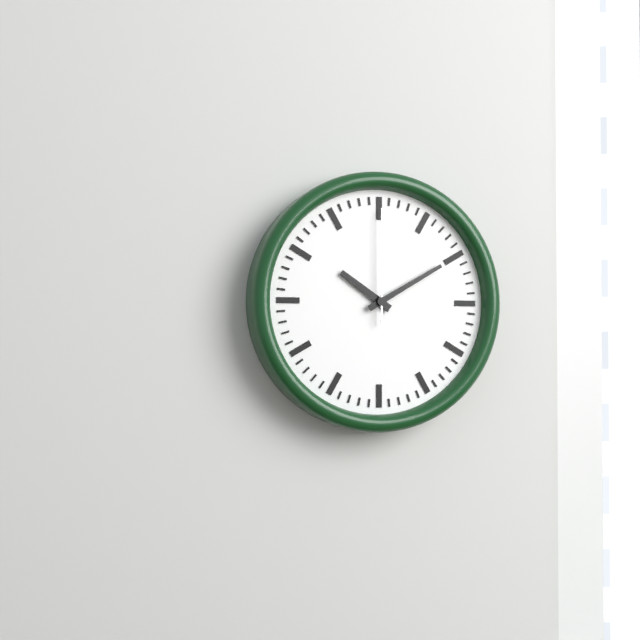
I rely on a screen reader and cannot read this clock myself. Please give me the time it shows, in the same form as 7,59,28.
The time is 10,10,00
